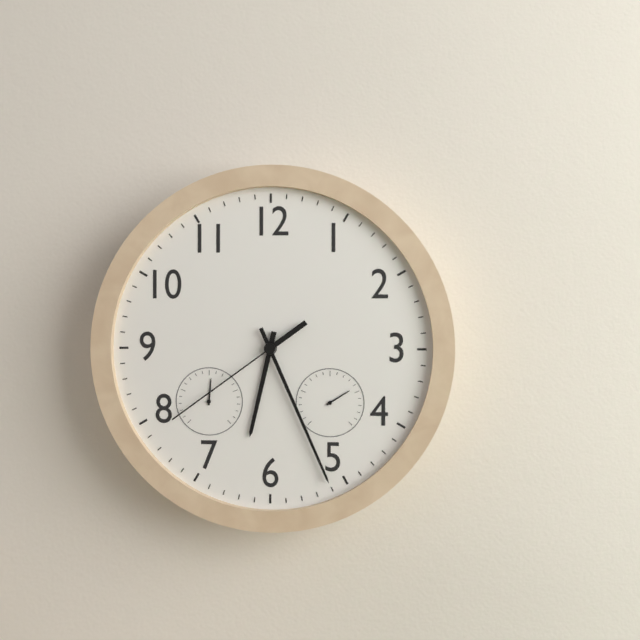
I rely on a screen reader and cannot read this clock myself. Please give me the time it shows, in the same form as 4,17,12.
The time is 6,26,39
